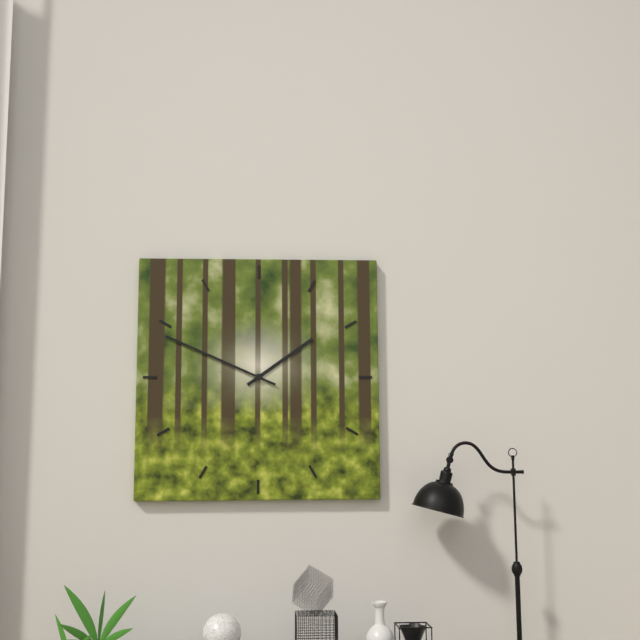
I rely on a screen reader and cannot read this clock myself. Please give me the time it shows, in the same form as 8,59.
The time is 1,49
